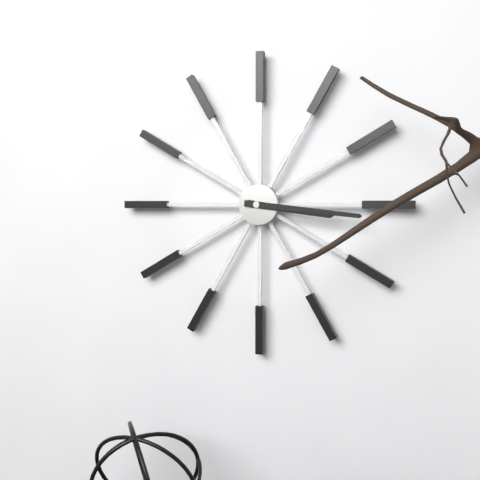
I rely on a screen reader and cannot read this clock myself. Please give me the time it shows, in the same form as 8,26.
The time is 3,16
